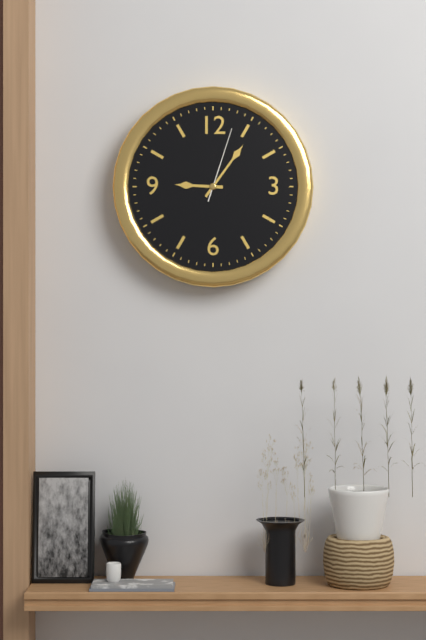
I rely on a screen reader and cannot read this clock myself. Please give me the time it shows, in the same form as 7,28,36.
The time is 9,06,03
